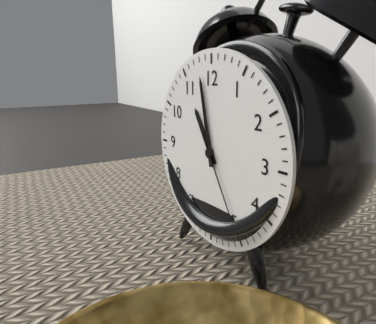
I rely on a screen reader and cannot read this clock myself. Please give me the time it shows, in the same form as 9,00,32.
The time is 10,58,25
